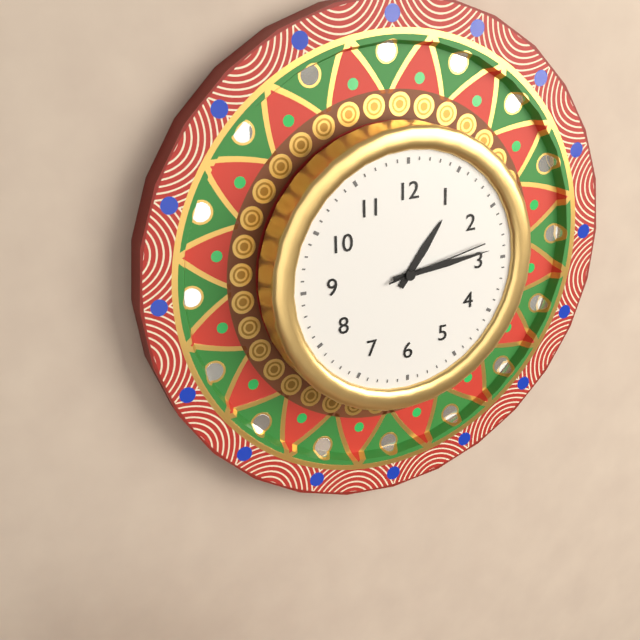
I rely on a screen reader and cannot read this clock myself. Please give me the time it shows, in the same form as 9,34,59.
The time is 1,14,13
